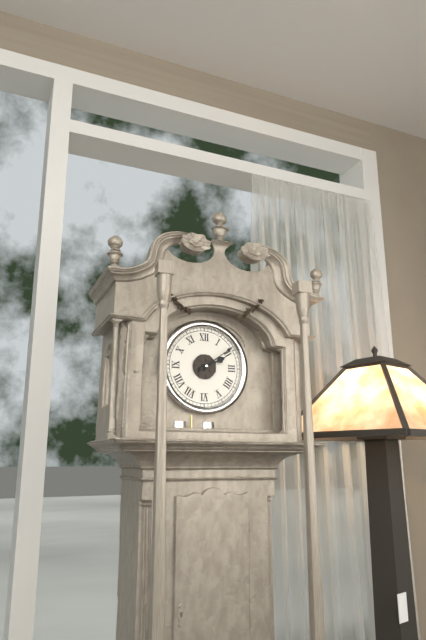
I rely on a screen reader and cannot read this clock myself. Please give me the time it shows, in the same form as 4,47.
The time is 2,09
